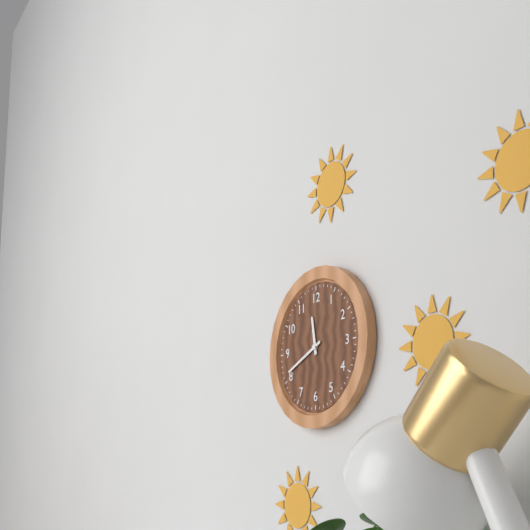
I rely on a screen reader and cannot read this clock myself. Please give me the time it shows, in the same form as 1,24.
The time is 11,41
